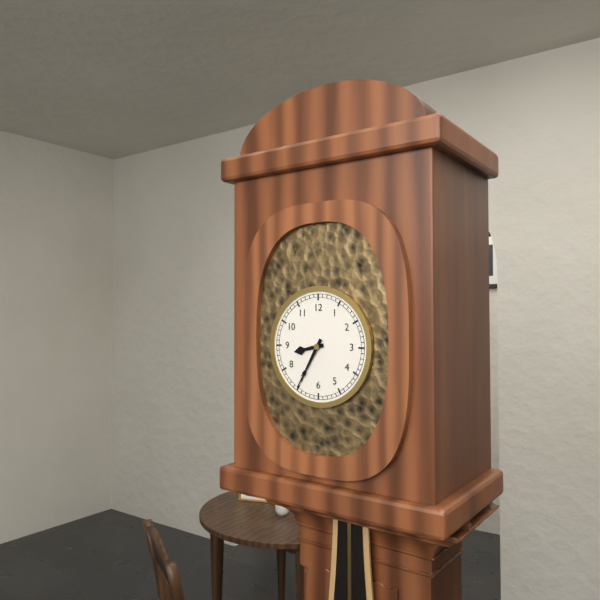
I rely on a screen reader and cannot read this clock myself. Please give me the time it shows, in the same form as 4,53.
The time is 8,35
